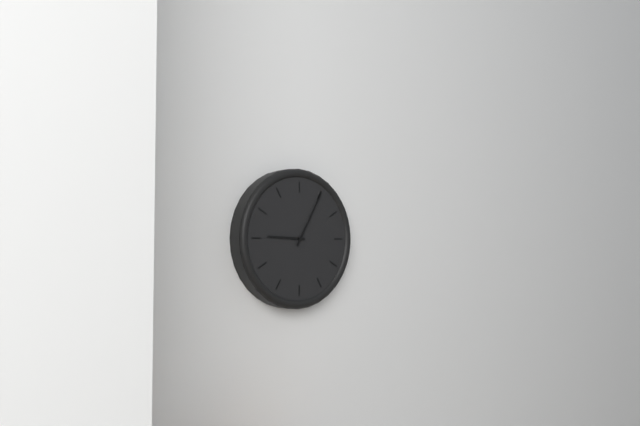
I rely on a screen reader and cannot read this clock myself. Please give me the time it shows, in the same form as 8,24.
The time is 9,05
